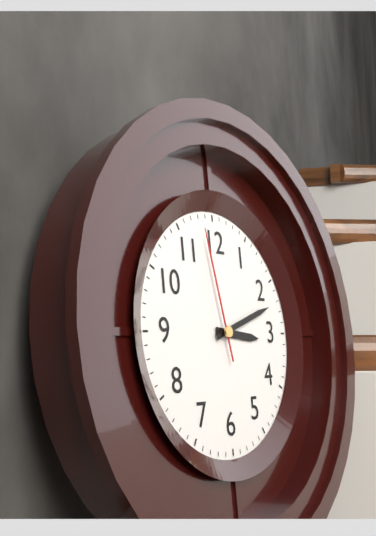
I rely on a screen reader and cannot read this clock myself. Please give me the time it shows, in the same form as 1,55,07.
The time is 3,12,58
